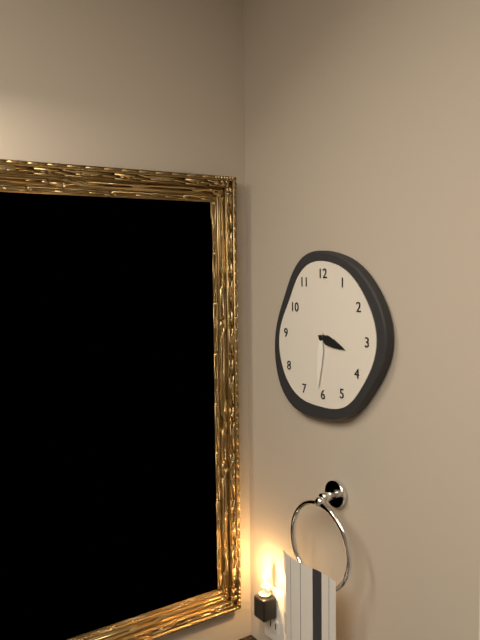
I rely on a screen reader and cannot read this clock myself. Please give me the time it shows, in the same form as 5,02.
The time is 3,31
